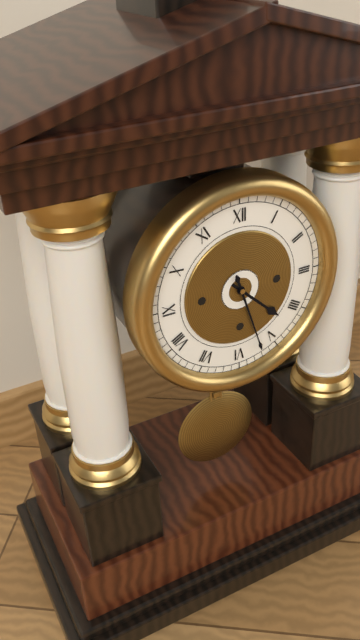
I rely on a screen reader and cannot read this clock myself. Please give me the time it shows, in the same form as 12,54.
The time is 4,27
